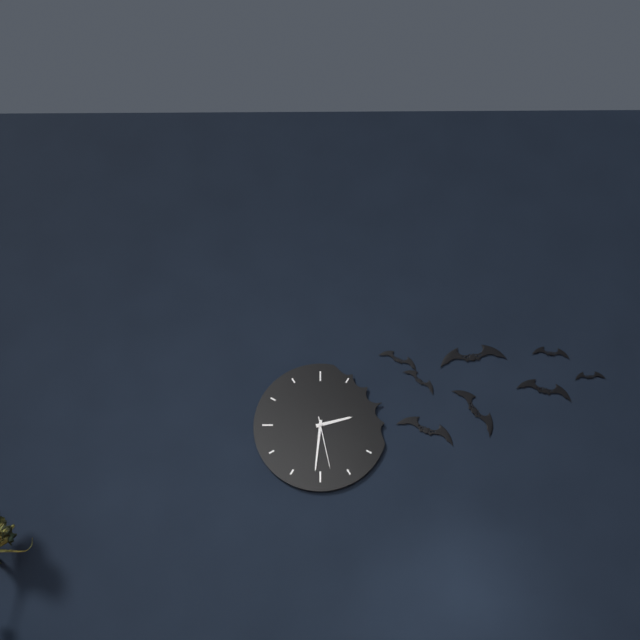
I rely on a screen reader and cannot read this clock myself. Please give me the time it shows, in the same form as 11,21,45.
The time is 2,31,28
